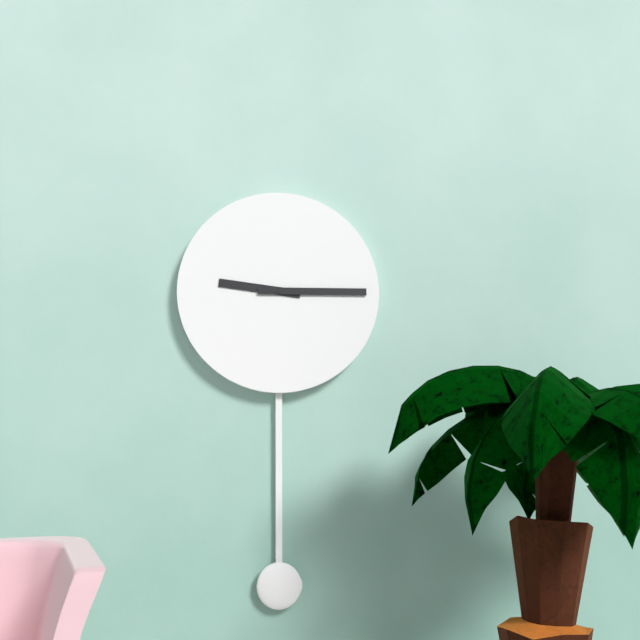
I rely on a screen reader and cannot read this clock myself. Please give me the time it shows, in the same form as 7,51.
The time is 9,15
